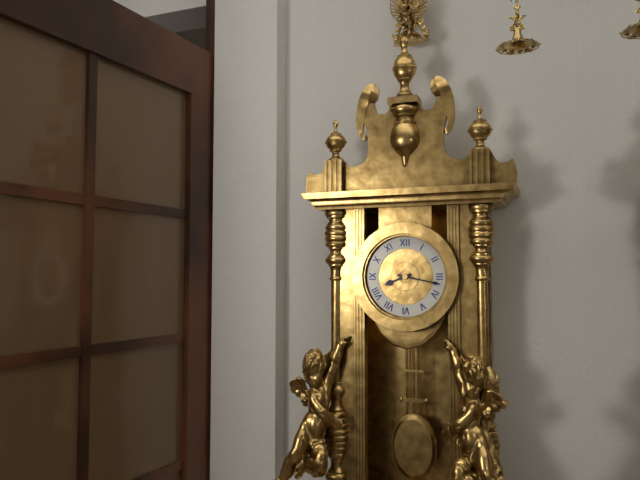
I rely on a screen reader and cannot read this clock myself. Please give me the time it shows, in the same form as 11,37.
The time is 8,17
